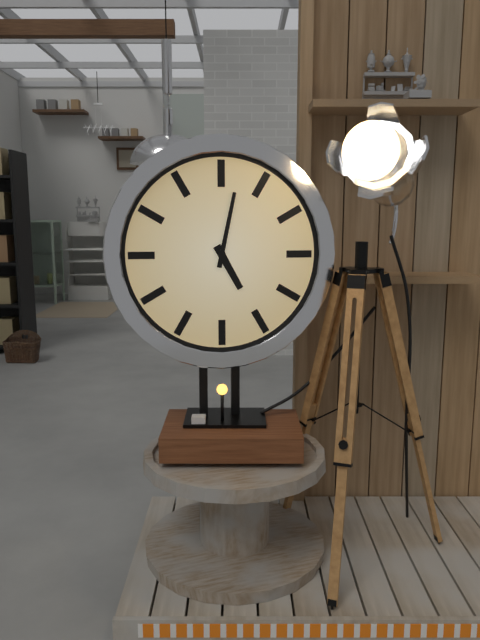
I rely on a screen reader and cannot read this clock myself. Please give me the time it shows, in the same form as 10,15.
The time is 5,02
